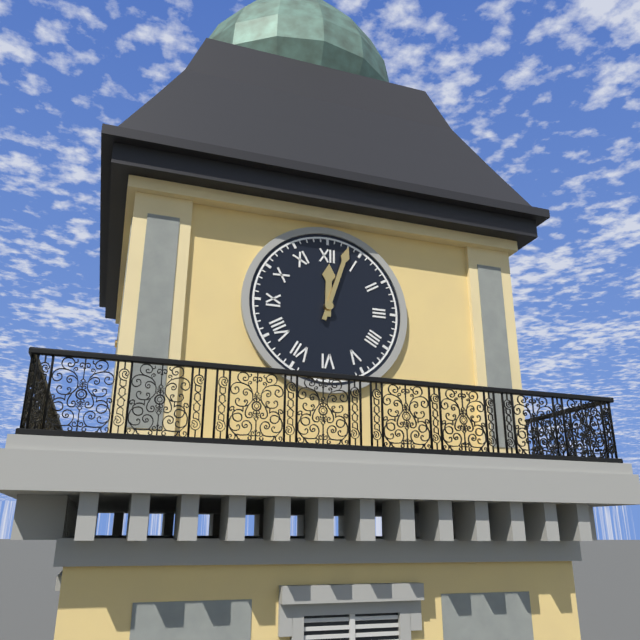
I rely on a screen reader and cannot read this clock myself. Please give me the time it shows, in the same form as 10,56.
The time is 12,03
